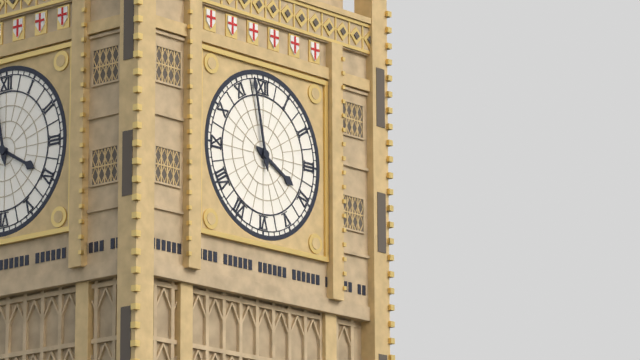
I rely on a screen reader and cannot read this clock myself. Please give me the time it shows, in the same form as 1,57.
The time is 3,58
